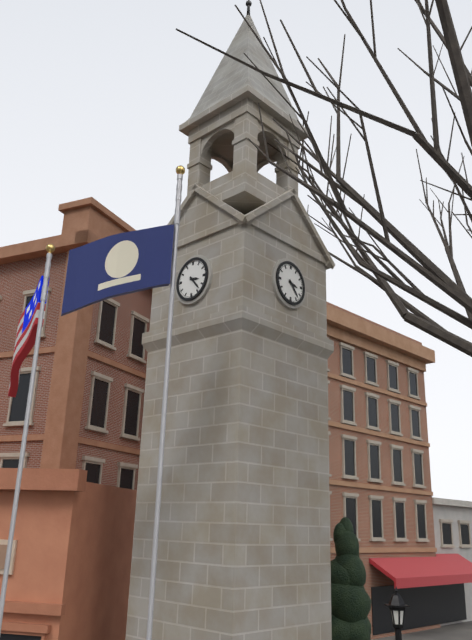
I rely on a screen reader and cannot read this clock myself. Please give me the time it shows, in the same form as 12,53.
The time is 3,23
